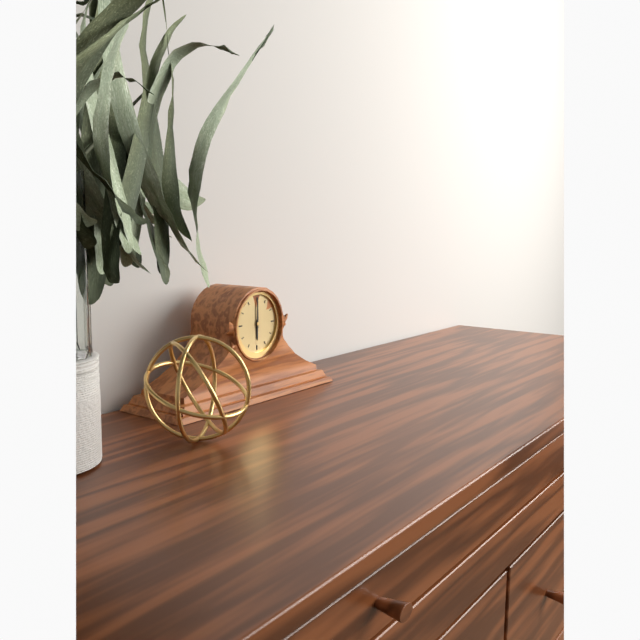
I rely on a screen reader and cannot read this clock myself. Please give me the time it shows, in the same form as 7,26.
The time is 6,00
